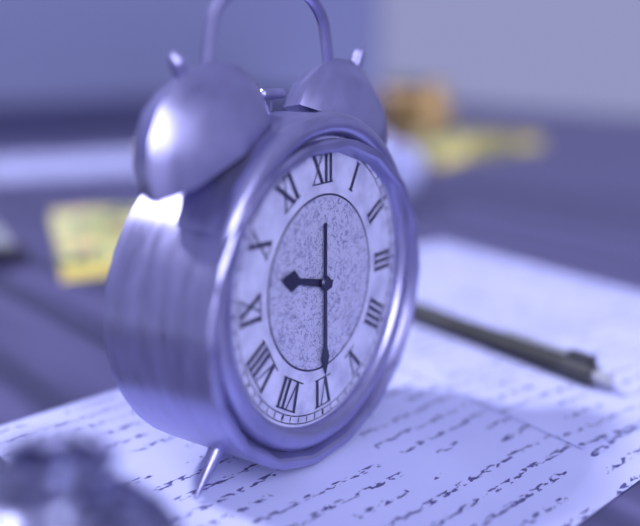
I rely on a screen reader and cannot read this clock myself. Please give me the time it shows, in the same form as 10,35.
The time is 9,30
